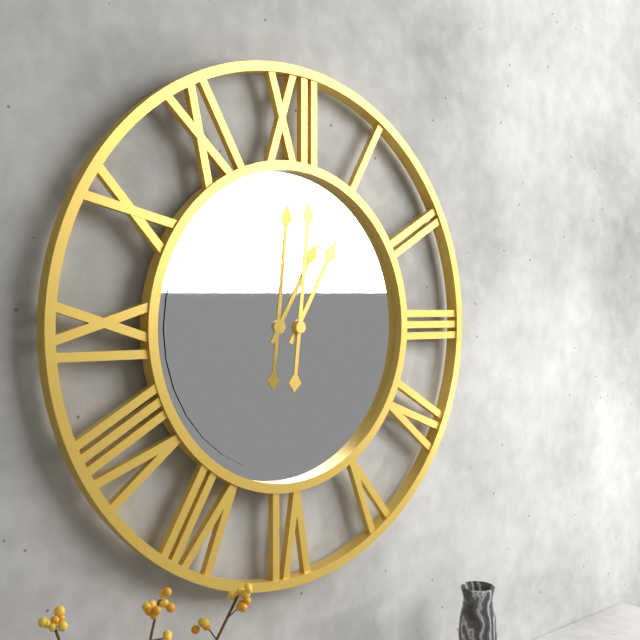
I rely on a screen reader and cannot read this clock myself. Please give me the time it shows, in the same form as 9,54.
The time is 1,01
